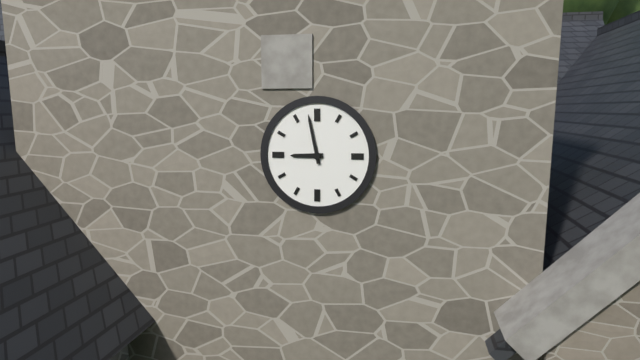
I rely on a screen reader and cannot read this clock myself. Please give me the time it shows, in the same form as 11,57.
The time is 8,58
